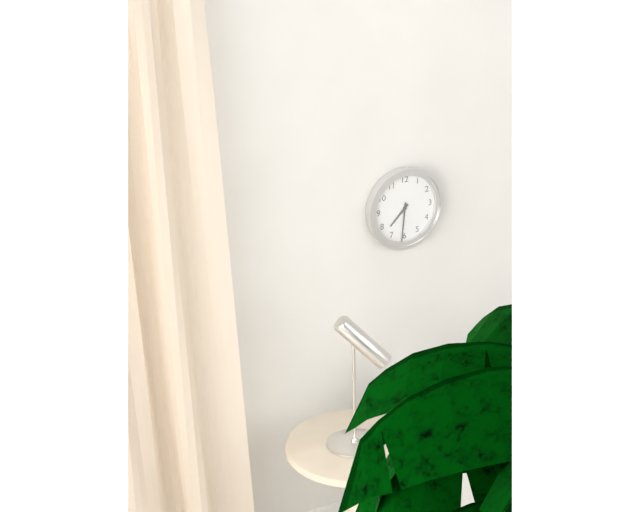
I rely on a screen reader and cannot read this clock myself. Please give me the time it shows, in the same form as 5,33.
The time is 7,31
